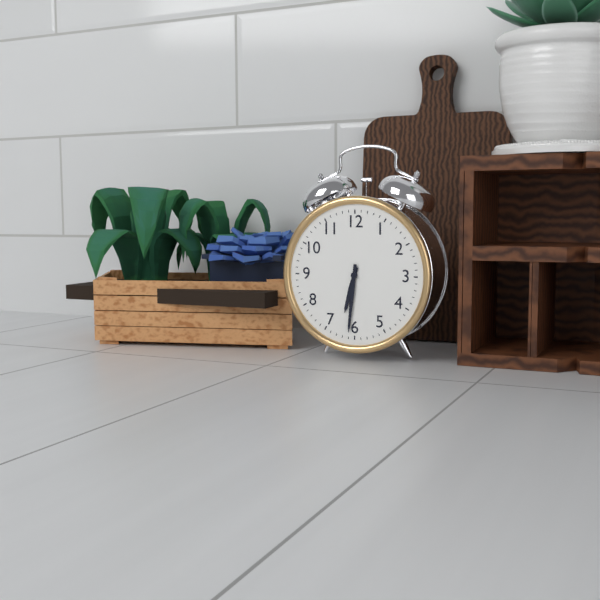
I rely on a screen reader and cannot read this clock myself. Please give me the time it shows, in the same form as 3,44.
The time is 6,31
